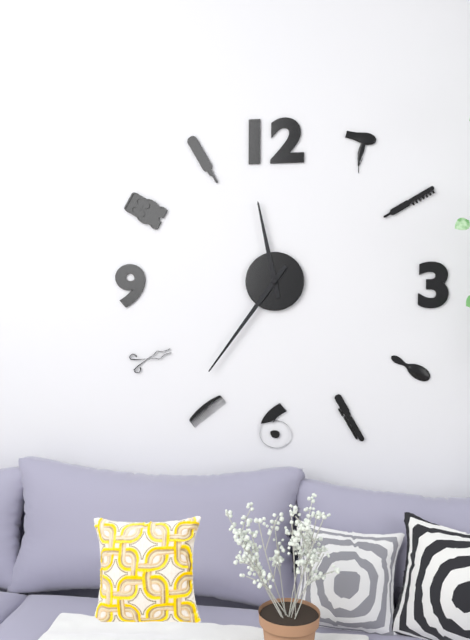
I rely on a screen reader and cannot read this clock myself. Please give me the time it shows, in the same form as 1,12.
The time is 11,36
